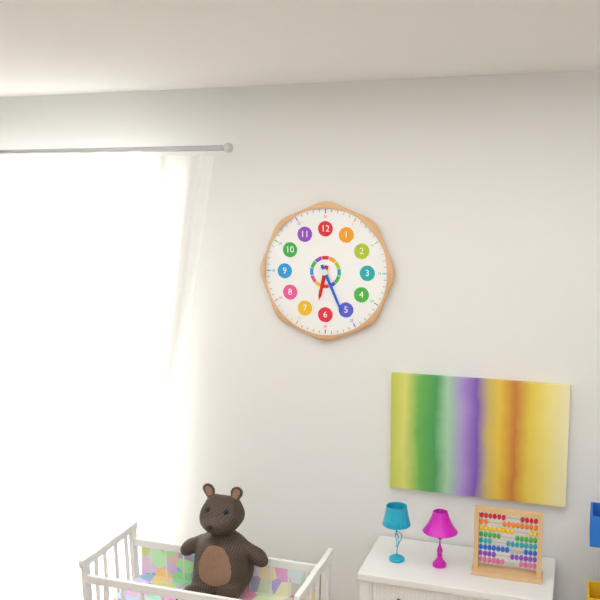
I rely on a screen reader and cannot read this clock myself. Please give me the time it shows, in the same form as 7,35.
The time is 6,26
